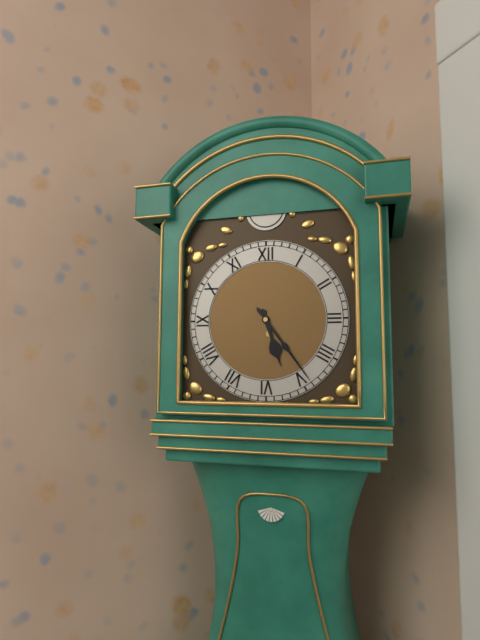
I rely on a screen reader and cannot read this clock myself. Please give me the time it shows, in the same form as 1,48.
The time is 5,24
